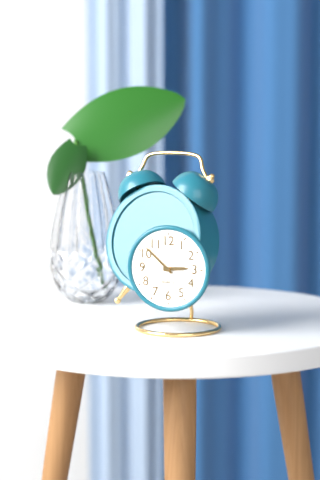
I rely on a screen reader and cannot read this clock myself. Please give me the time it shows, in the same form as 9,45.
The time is 2,52
